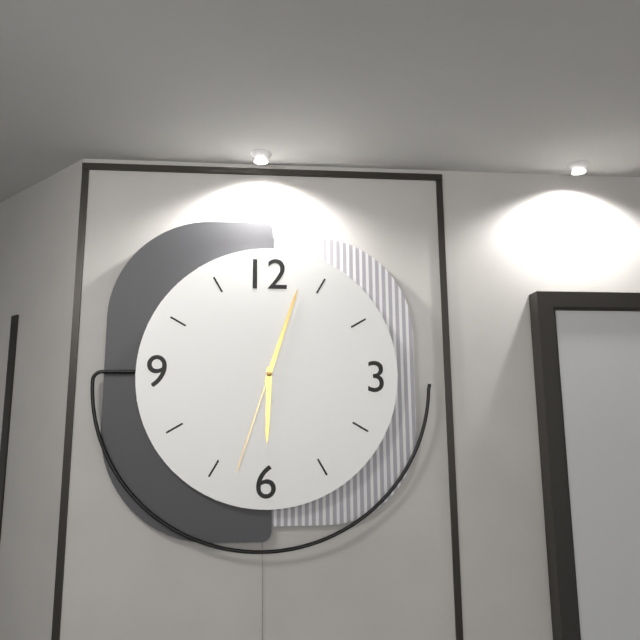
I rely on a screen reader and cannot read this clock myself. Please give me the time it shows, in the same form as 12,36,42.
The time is 6,03,33
